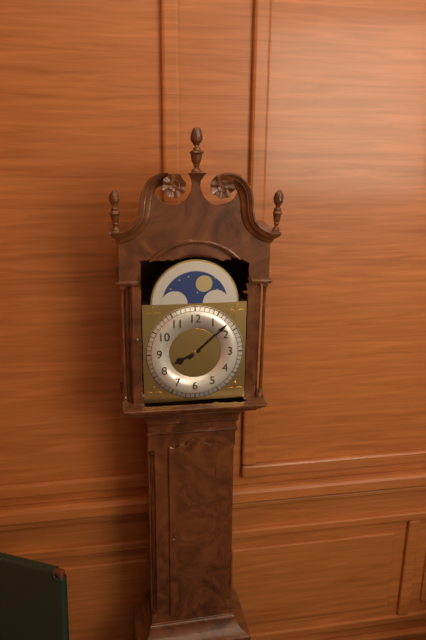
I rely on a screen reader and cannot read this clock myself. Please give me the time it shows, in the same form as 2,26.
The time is 8,08
